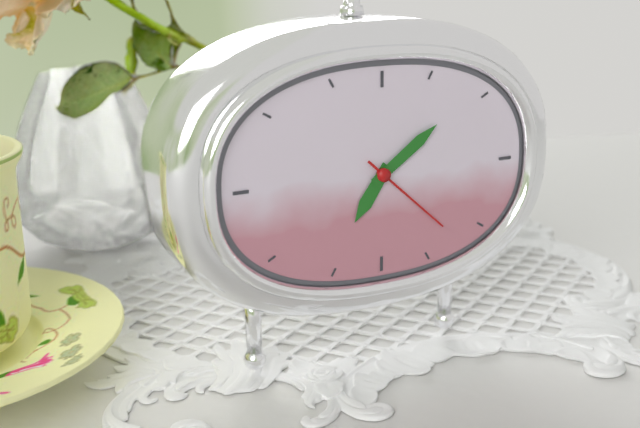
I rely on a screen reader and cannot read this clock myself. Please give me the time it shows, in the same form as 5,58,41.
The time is 7,09,22
